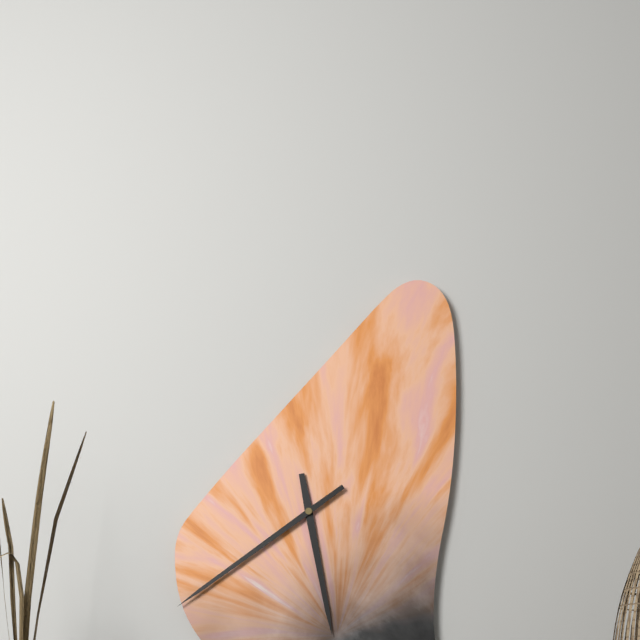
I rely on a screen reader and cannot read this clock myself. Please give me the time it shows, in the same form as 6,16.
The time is 5,39
